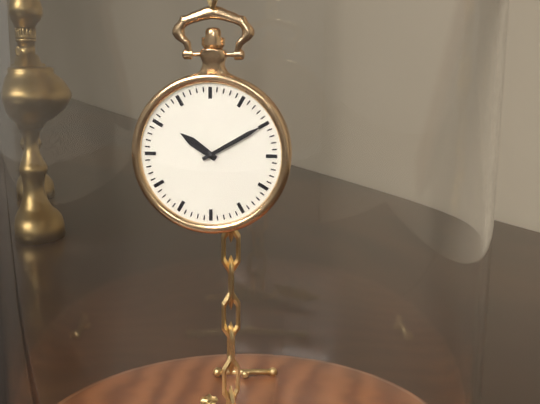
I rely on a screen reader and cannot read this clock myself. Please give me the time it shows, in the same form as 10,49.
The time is 10,10
